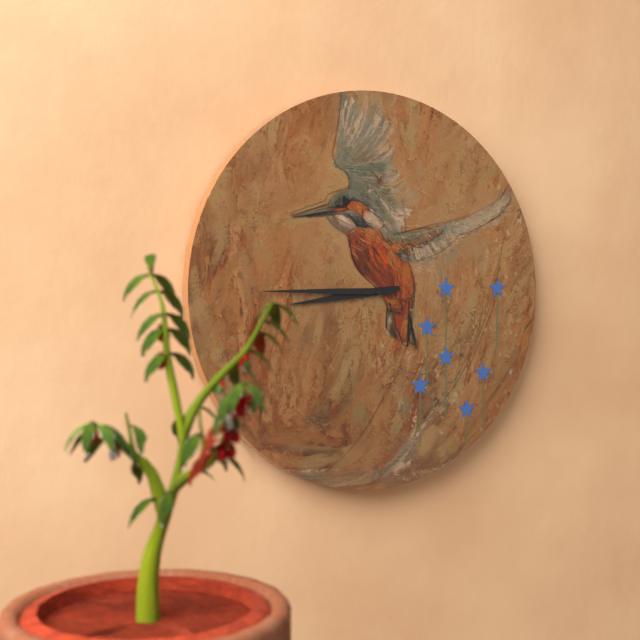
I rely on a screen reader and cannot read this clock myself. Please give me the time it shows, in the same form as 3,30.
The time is 8,45
